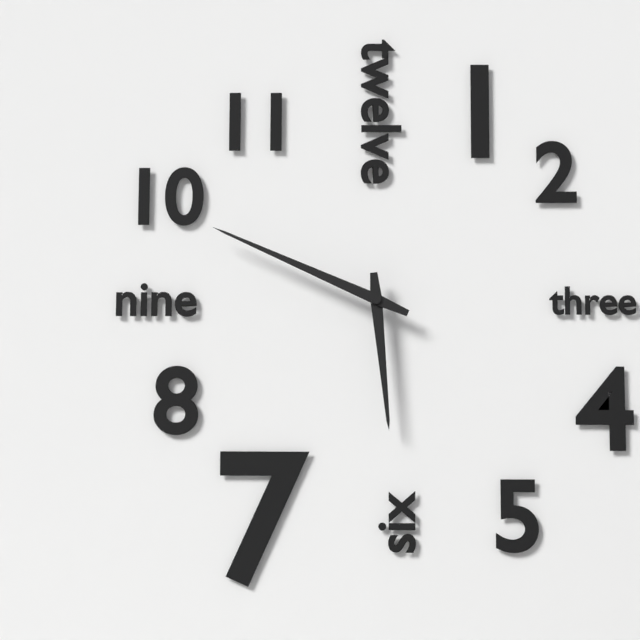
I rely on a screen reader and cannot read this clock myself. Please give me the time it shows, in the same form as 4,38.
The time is 5,49
